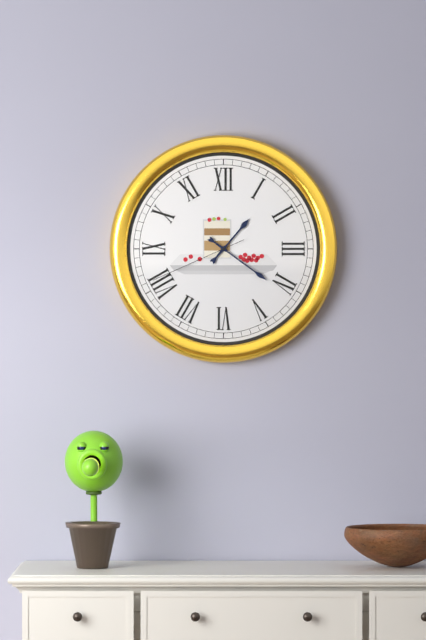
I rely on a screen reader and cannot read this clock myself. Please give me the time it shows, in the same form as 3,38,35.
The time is 1,21,41
